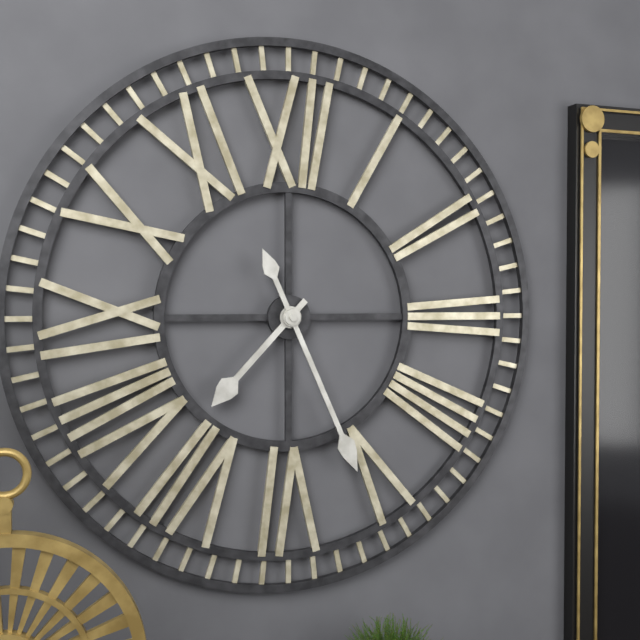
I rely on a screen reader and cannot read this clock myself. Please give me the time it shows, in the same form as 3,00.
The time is 7,26
